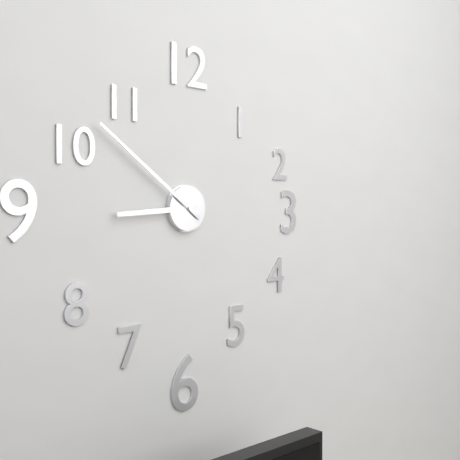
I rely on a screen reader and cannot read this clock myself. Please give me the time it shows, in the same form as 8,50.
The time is 8,51
